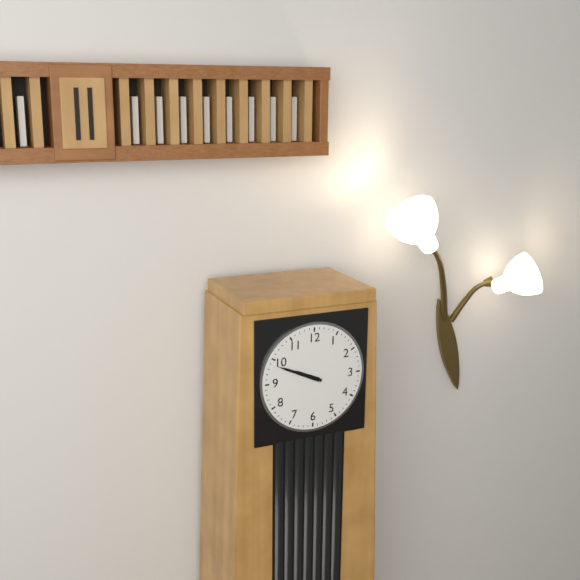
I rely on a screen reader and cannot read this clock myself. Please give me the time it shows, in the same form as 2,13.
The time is 9,49
